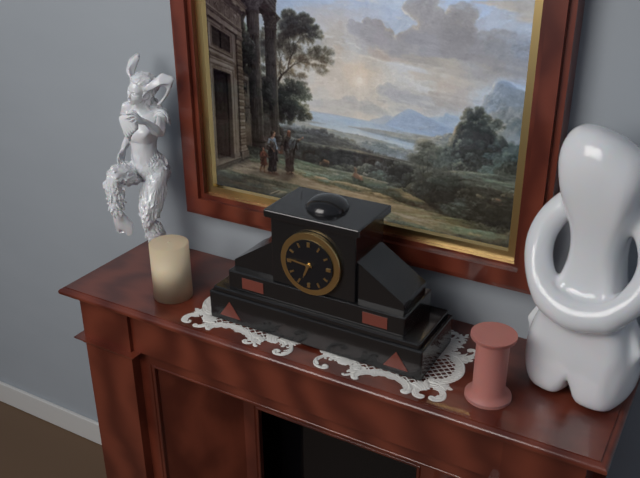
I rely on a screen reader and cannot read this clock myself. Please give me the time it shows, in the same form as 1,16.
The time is 6,46
